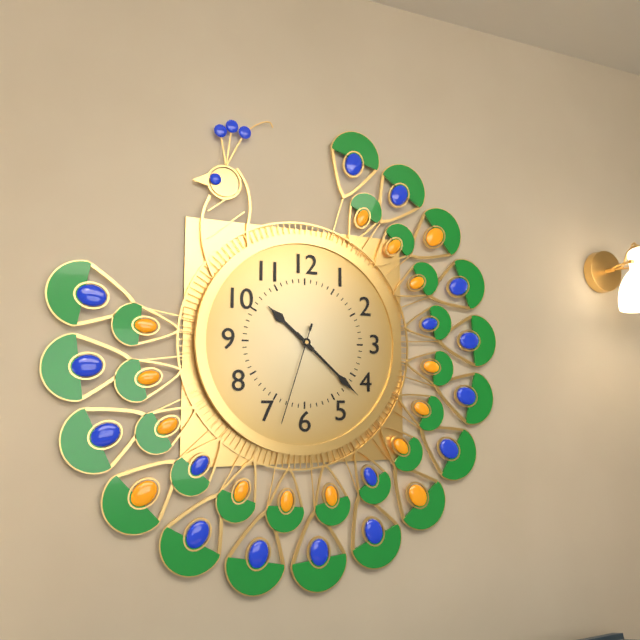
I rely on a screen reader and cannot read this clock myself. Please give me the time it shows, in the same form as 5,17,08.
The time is 10,22,33
